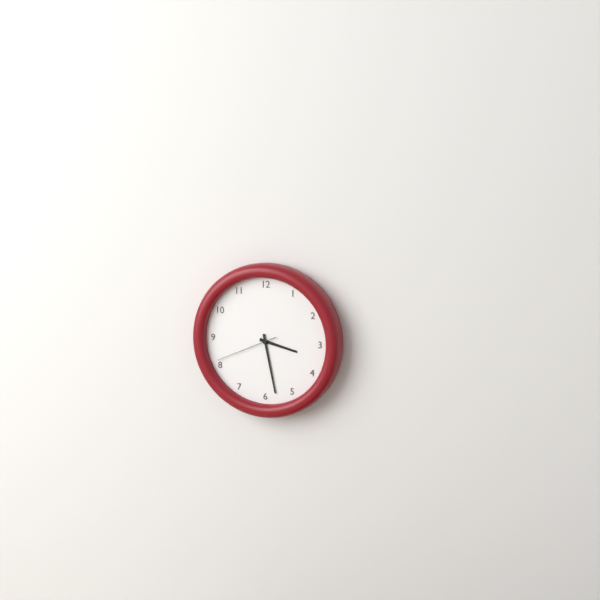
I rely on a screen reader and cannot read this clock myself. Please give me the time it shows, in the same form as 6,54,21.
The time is 3,28,41
